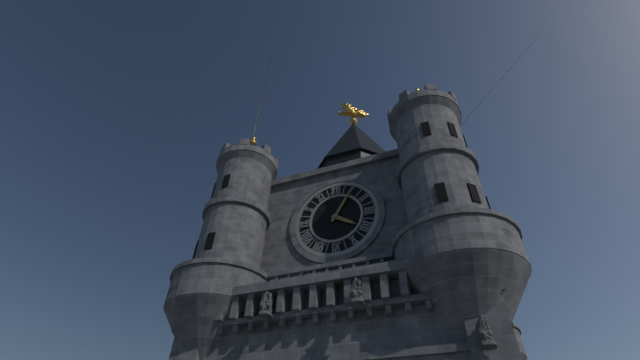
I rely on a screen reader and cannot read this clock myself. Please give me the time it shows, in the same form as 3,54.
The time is 4,05
